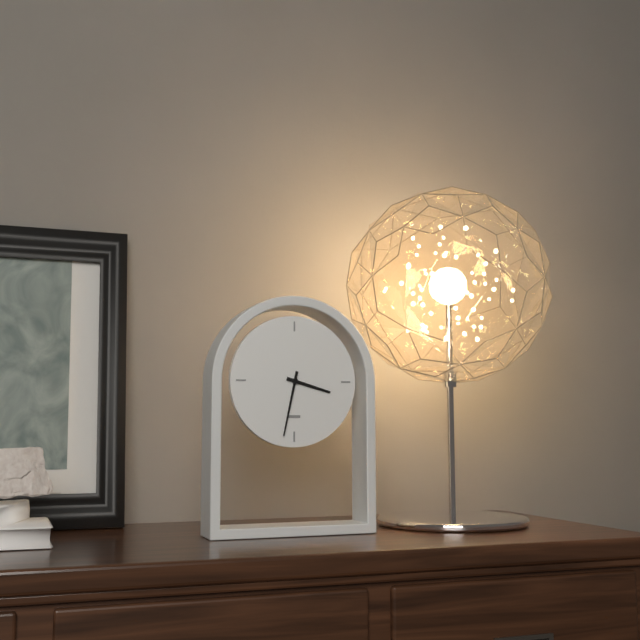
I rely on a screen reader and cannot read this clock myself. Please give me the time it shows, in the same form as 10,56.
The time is 3,32
